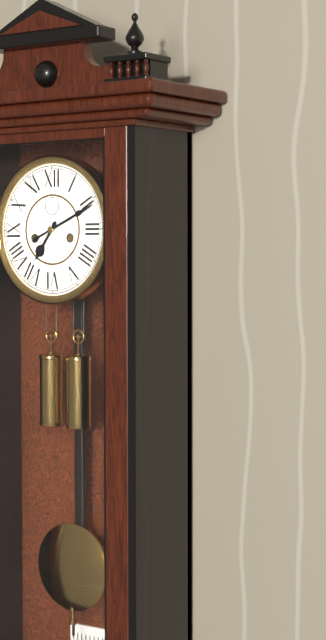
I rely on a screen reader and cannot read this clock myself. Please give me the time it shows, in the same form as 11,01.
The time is 7,11
